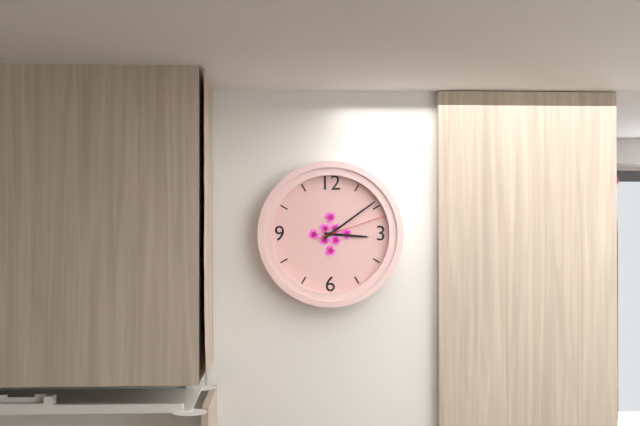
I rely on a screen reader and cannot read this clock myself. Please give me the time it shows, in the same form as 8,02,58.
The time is 3,09,12
